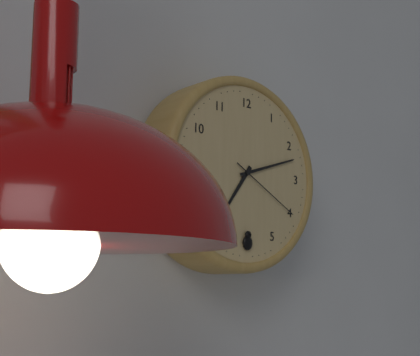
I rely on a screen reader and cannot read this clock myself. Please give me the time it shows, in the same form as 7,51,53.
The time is 7,12,20
